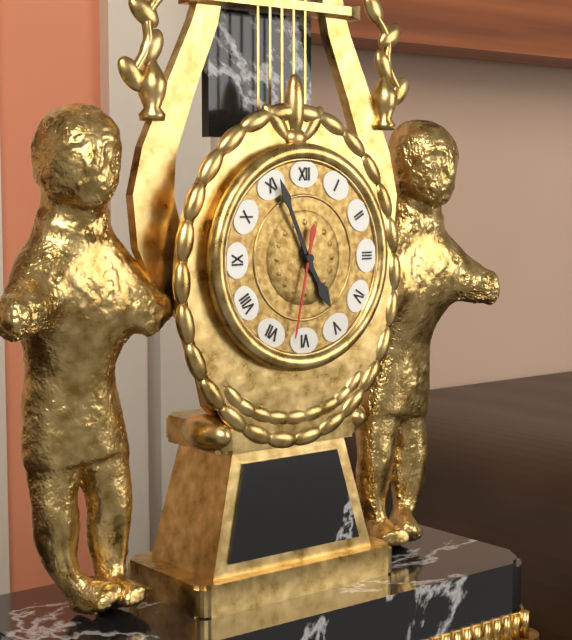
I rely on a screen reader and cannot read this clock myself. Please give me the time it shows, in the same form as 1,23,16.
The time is 4,56,32
